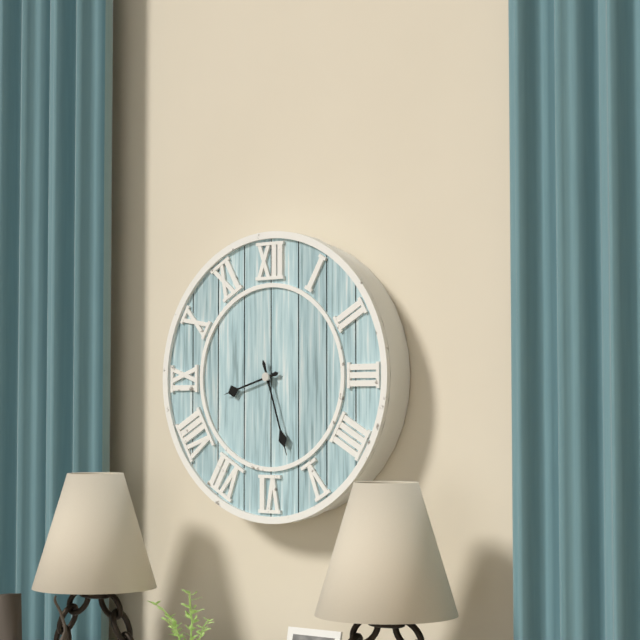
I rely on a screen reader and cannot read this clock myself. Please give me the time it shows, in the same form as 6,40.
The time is 8,27
